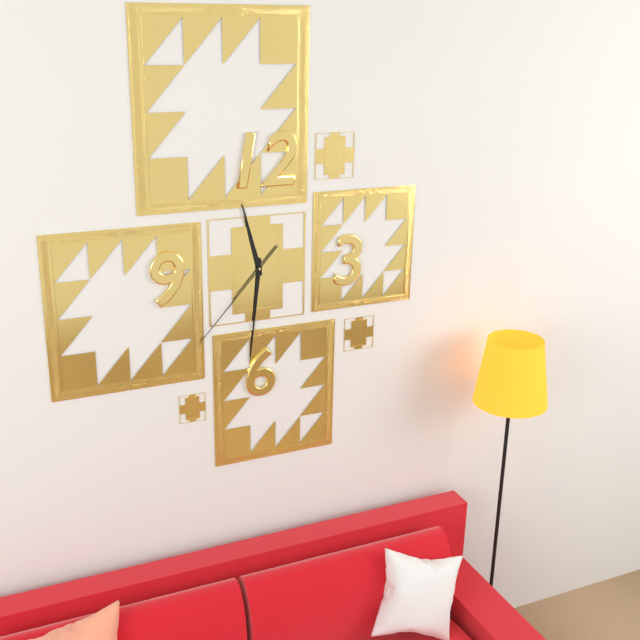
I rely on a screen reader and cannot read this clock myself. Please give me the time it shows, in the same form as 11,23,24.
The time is 11,31,37
